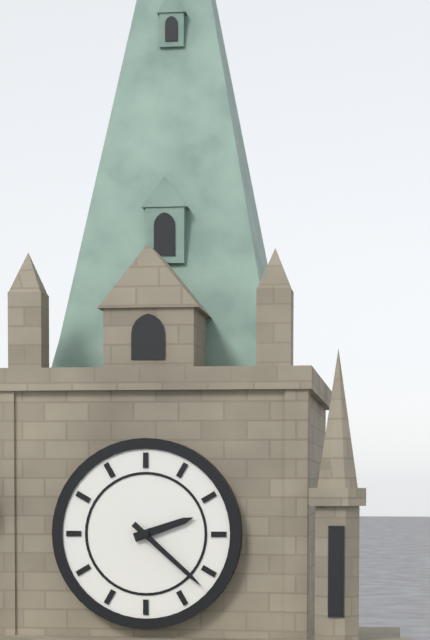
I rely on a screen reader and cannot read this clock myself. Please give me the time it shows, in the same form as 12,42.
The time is 2,22
